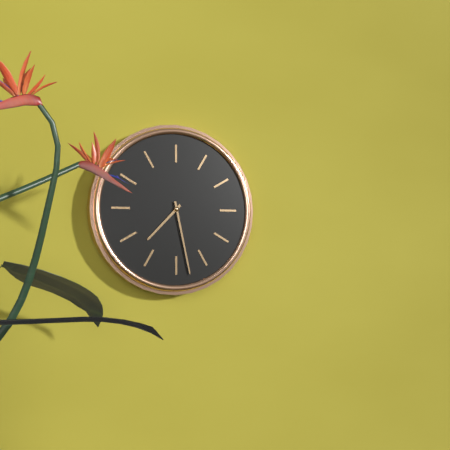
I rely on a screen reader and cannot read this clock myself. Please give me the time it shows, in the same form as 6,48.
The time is 7,28
